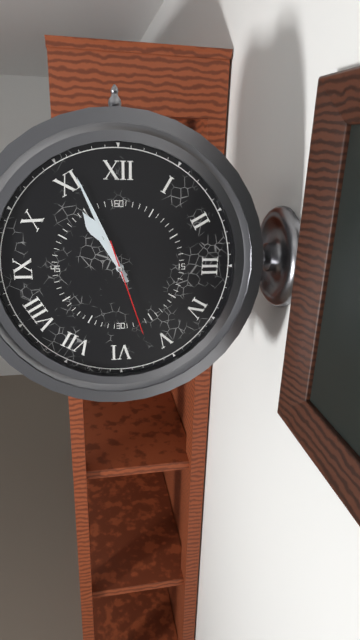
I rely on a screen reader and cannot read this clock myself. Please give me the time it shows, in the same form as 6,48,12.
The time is 10,56,27
